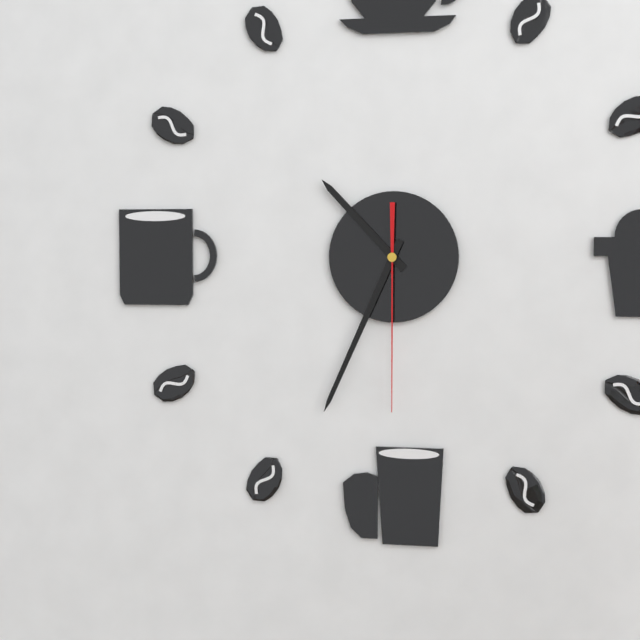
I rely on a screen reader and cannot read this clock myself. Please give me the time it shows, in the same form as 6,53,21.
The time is 10,34,30
